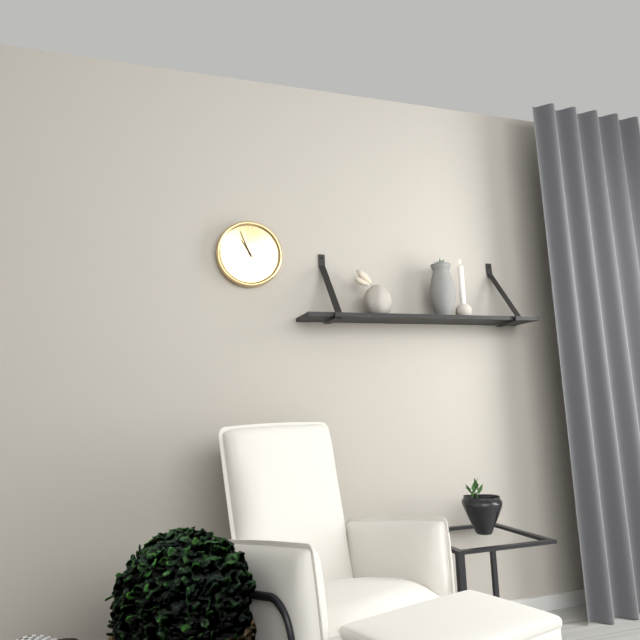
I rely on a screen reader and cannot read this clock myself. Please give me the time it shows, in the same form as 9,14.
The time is 10,56
